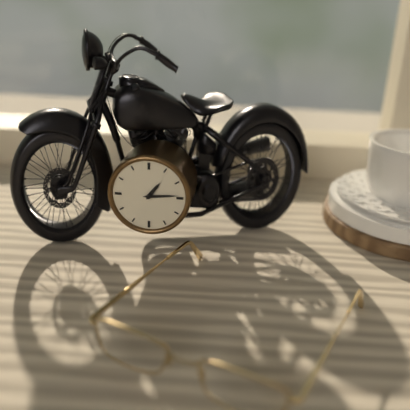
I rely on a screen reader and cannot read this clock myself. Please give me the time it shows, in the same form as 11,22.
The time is 1,14
